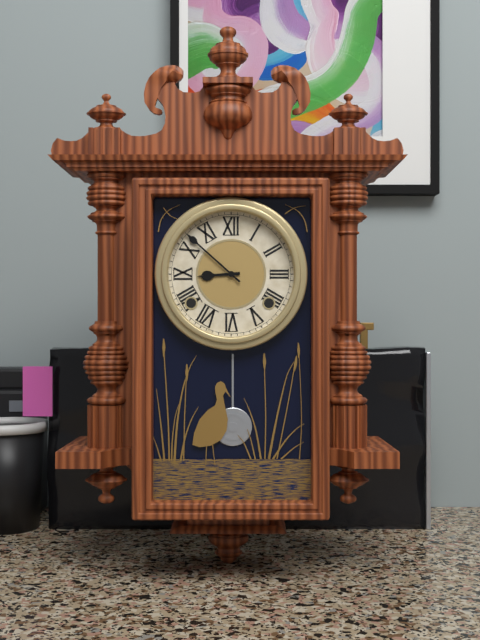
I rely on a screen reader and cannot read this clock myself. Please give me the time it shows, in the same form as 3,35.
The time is 8,52
